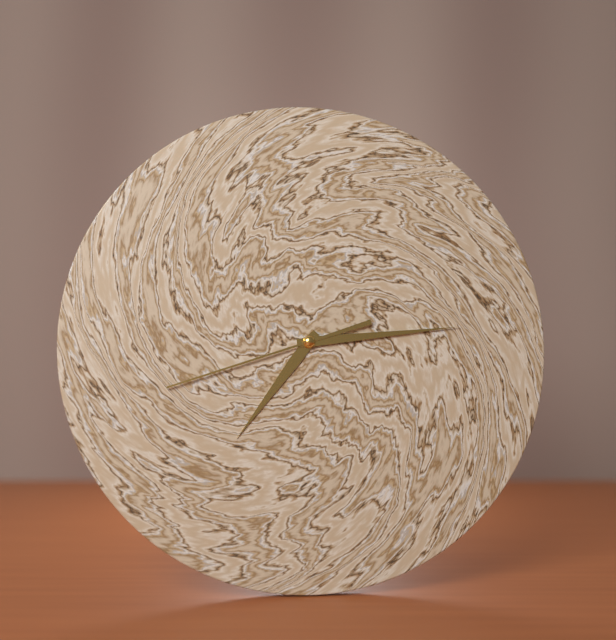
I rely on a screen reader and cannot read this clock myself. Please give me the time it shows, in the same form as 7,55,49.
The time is 7,14,42
